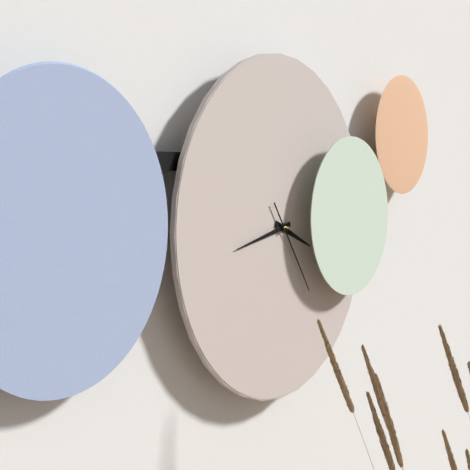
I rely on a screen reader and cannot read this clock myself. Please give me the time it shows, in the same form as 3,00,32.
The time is 3,43,24
